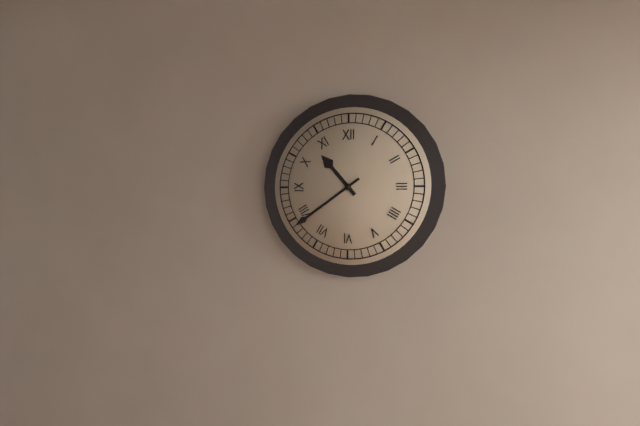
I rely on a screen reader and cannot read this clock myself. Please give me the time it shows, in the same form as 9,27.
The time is 10,39
